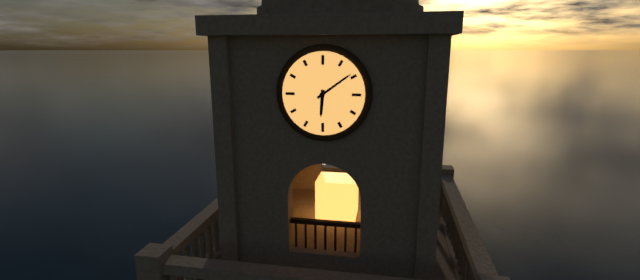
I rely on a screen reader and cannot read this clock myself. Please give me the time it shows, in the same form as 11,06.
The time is 6,09
